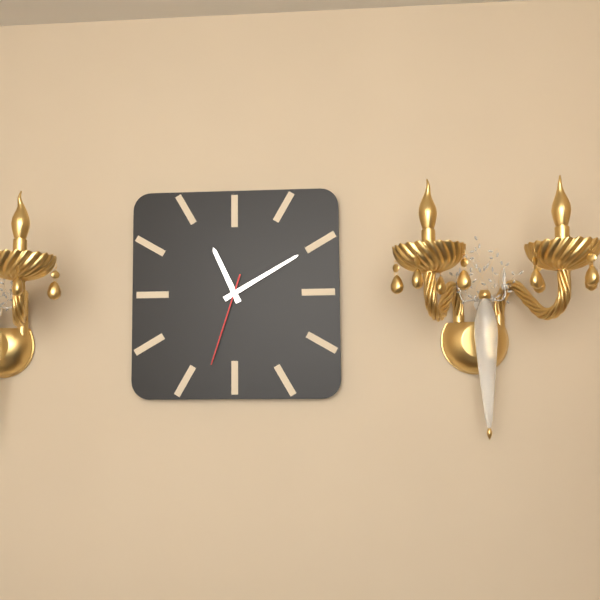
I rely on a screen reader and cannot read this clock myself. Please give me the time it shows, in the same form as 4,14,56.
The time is 11,10,33
